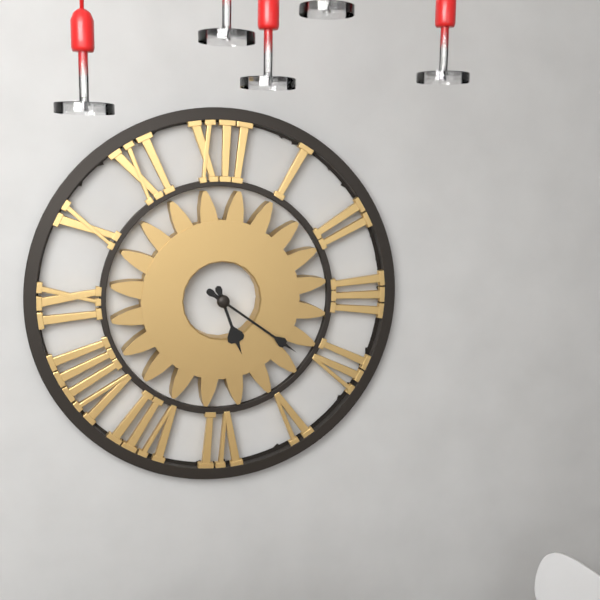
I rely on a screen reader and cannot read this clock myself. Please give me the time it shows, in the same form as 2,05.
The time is 5,21
